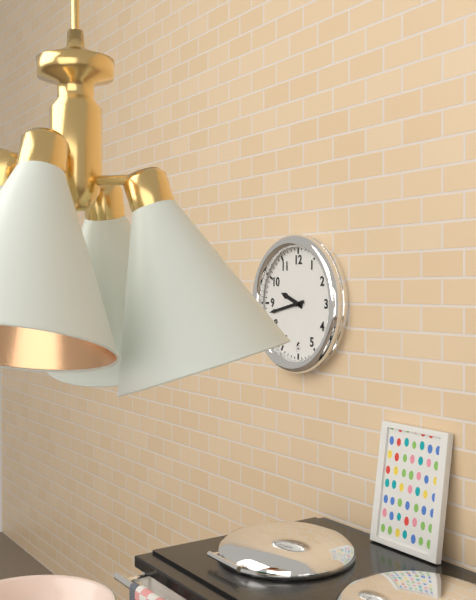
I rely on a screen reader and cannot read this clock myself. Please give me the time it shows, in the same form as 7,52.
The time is 9,43
